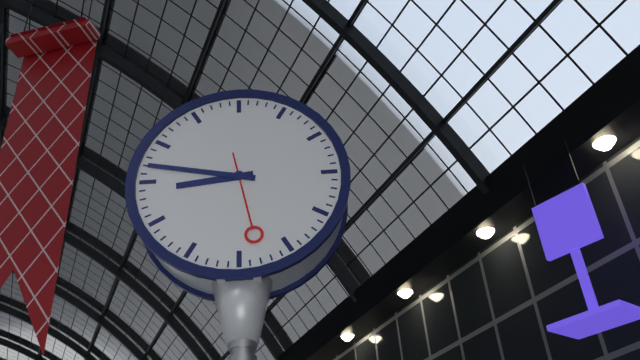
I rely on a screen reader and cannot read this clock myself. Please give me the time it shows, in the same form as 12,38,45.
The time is 8,47,28
